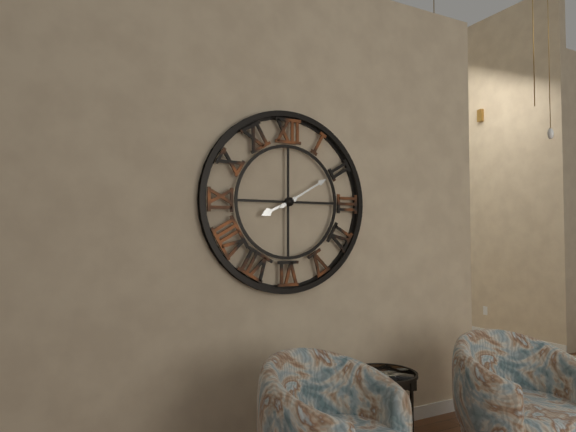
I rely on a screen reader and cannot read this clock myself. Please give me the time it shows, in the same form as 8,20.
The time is 8,10
